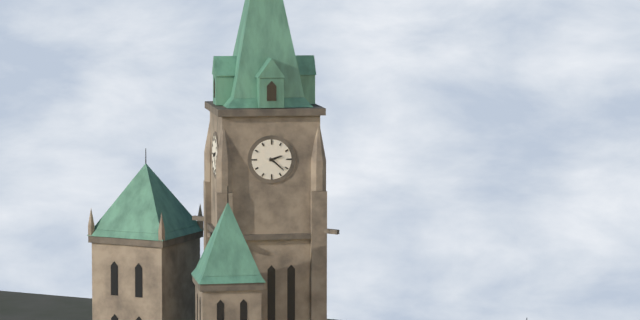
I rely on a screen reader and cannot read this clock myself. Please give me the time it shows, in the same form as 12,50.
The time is 2,22
